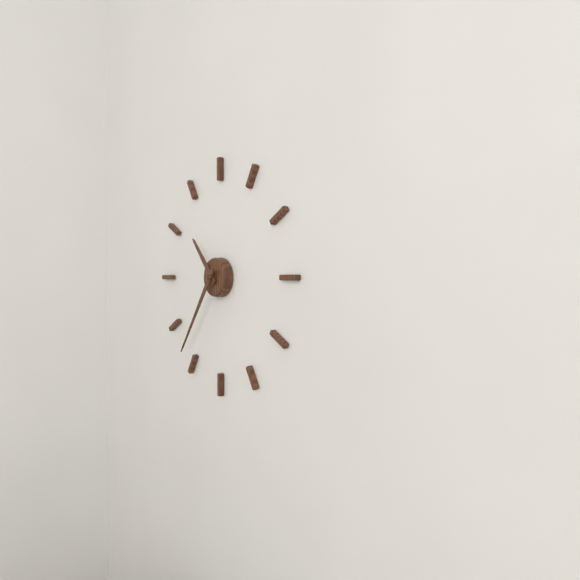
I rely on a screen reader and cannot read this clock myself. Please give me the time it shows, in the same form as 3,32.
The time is 10,36
